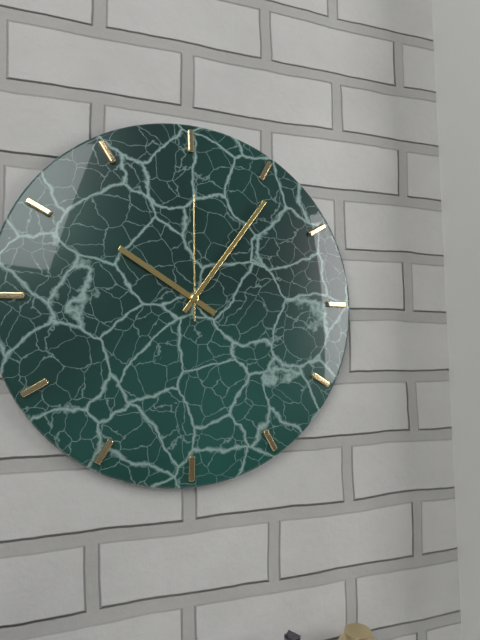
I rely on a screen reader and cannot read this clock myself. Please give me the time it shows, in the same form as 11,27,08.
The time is 10,06,00
